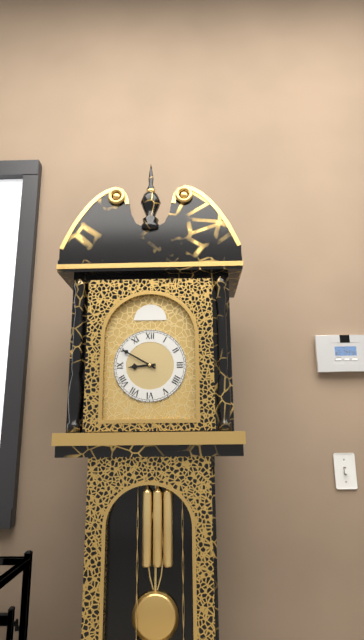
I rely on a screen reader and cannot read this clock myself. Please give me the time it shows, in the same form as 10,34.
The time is 8,50
